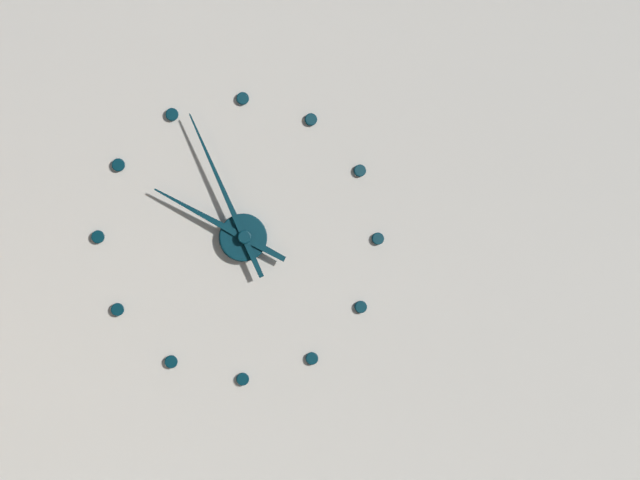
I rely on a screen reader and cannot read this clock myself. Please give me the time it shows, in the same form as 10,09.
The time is 9,56
